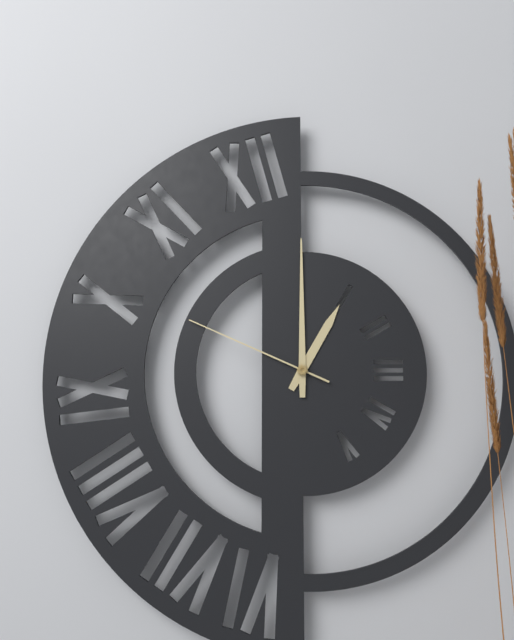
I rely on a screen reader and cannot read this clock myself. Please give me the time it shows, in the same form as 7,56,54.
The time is 1,00,49
